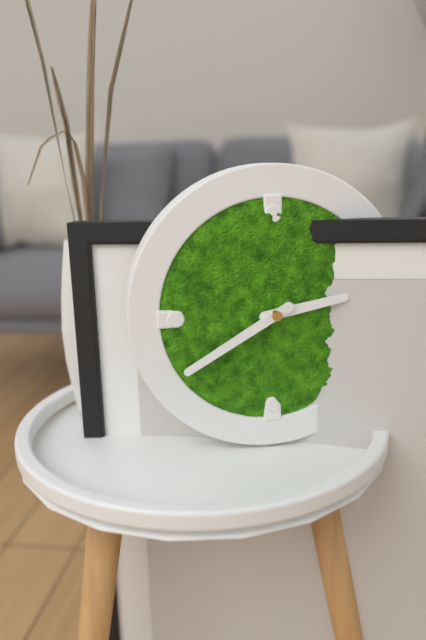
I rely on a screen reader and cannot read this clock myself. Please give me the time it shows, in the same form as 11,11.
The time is 2,40
